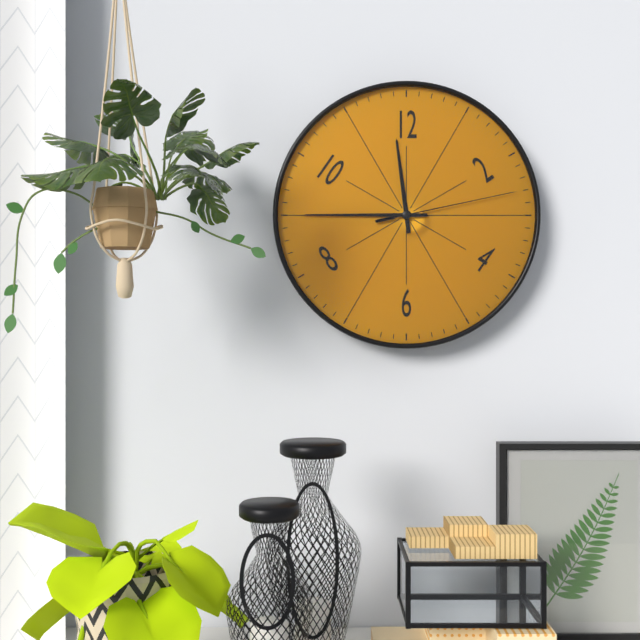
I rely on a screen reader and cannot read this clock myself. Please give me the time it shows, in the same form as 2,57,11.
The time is 11,45,13
